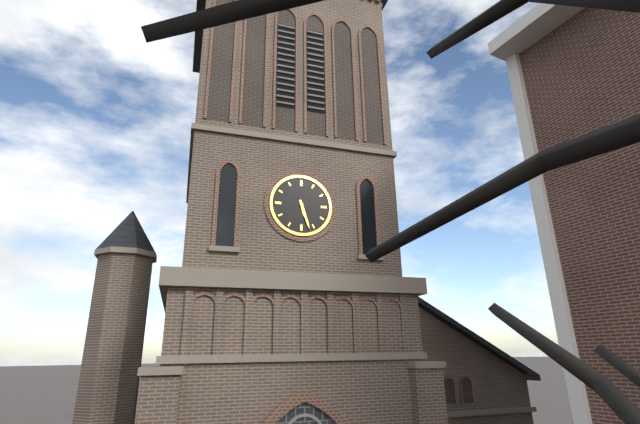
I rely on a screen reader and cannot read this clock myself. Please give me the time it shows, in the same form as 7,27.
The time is 5,27
